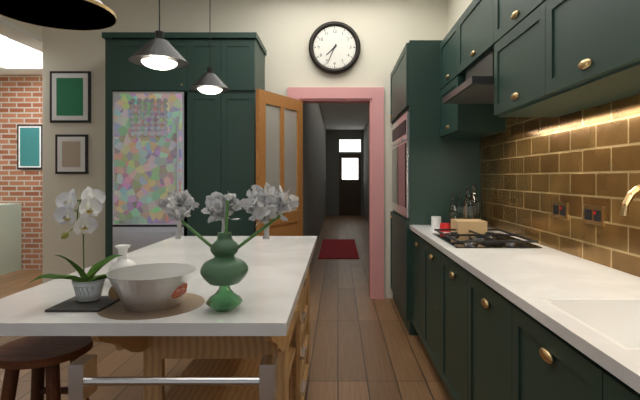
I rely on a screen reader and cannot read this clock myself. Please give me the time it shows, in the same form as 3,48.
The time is 7,34
